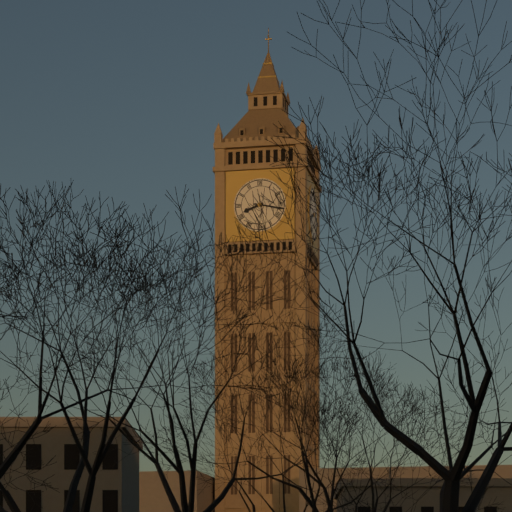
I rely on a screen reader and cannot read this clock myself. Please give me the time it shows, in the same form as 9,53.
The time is 8,17
